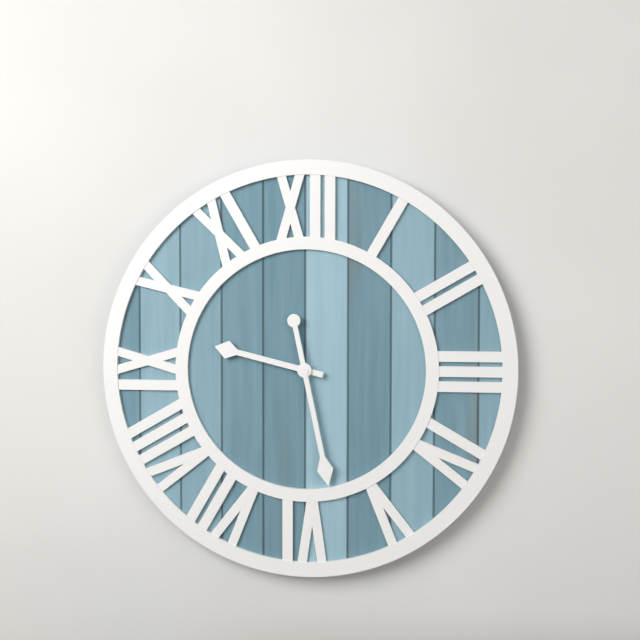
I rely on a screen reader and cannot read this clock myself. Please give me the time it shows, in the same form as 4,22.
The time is 9,28
